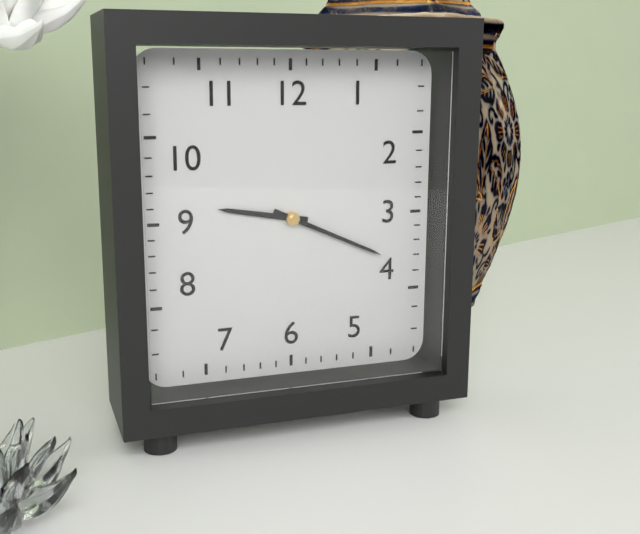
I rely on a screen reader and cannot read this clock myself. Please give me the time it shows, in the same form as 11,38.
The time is 9,19
